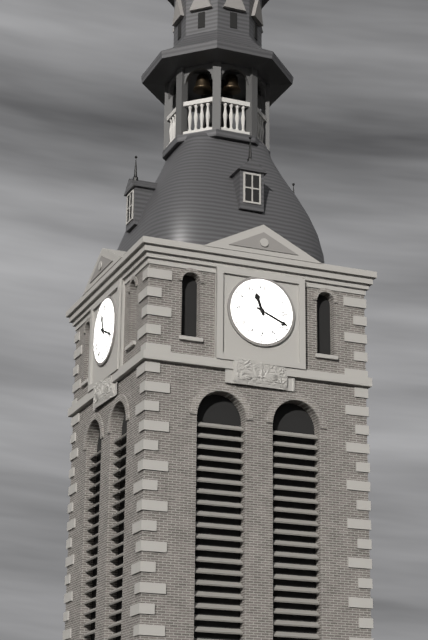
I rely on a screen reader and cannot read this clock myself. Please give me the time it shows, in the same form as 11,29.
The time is 11,19
